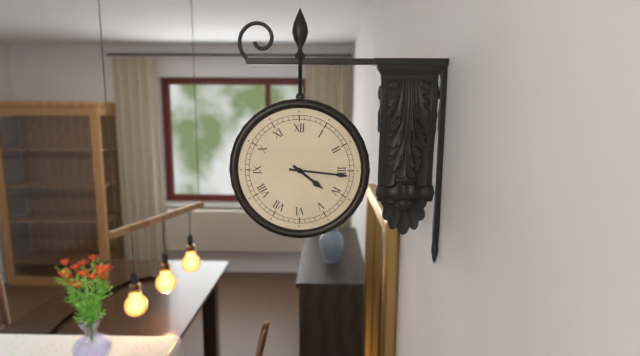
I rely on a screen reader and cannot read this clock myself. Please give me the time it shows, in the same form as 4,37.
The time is 4,16
